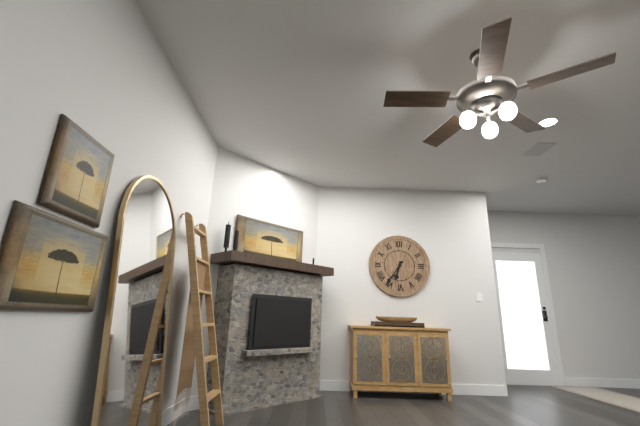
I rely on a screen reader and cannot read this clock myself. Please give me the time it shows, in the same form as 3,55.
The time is 6,36
